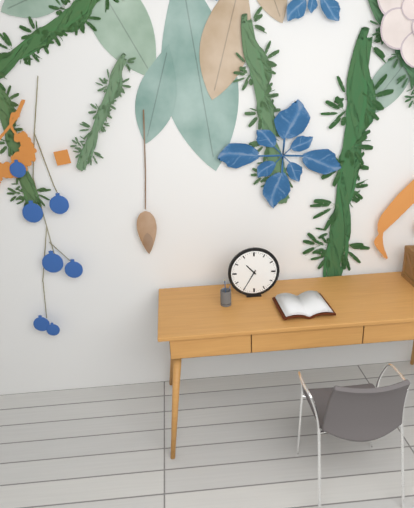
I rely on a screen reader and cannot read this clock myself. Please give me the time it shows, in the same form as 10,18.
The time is 10,35
